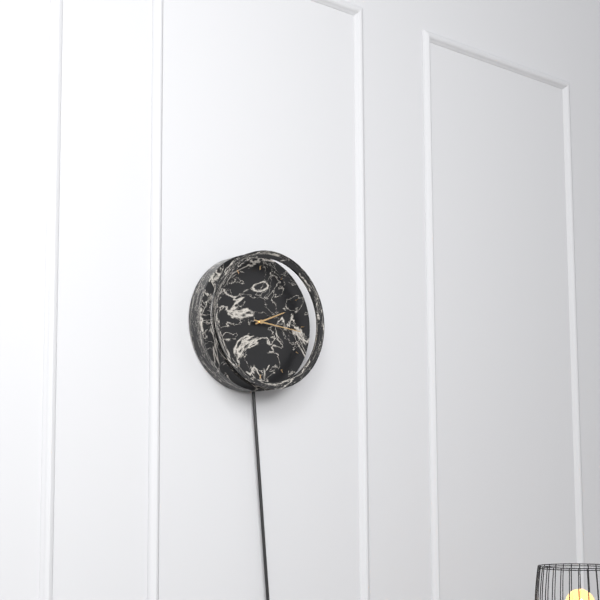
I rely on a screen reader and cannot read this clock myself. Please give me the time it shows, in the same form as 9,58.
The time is 2,16
